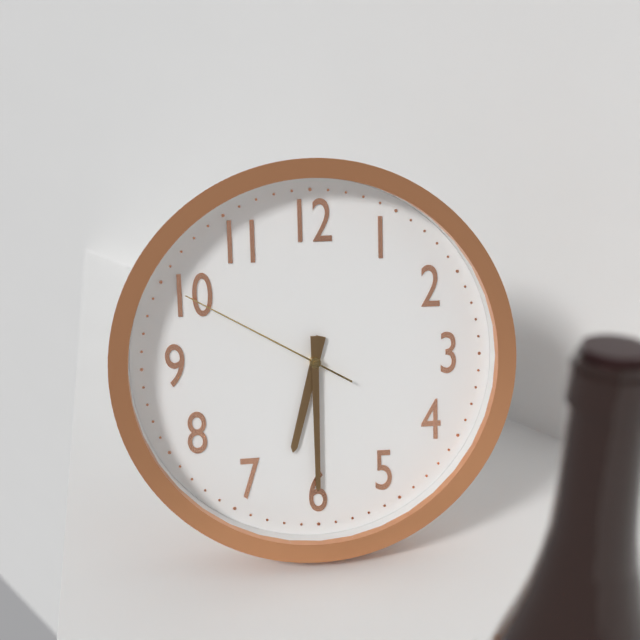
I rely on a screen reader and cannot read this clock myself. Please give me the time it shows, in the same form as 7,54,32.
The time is 6,30,50
